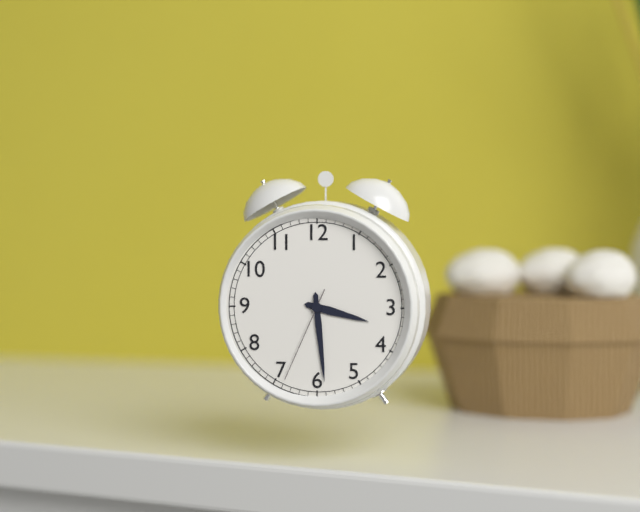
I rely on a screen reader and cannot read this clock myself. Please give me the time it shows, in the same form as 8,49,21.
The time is 3,29,34
